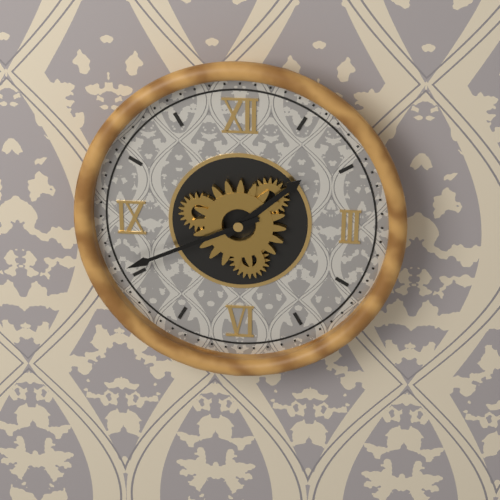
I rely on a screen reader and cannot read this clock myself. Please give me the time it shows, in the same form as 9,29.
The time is 1,41
